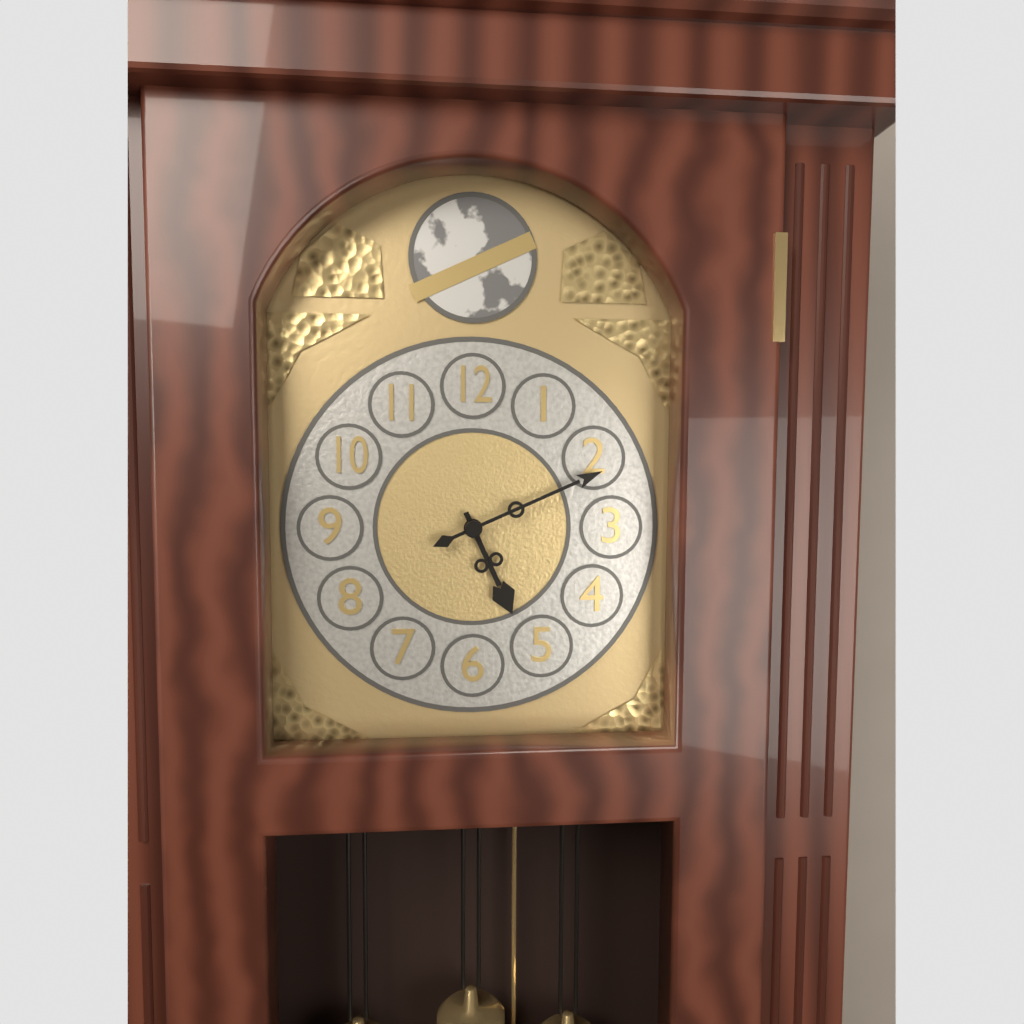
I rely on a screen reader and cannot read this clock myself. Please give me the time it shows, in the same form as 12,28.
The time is 5,11
